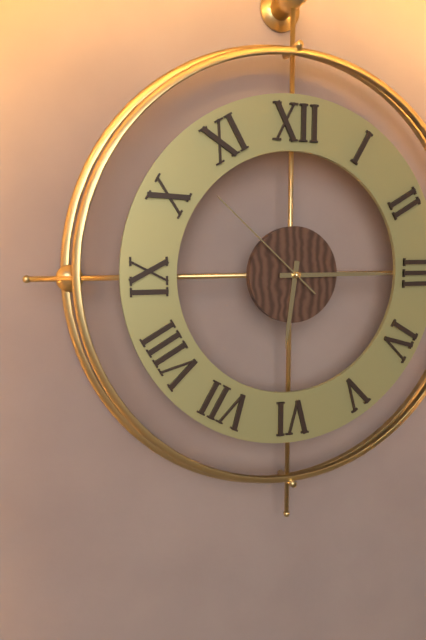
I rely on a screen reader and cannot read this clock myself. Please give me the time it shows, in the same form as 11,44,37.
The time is 6,15,52
